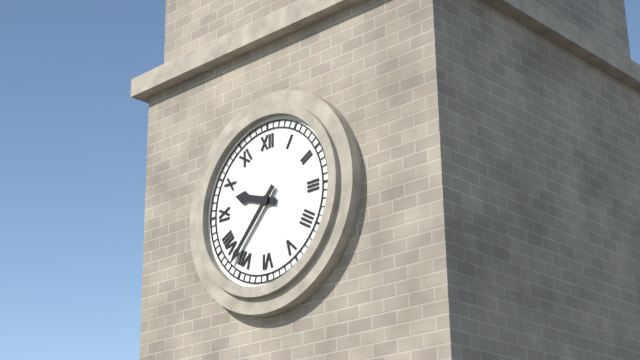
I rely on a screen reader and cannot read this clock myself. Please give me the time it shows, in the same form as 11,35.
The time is 9,37
